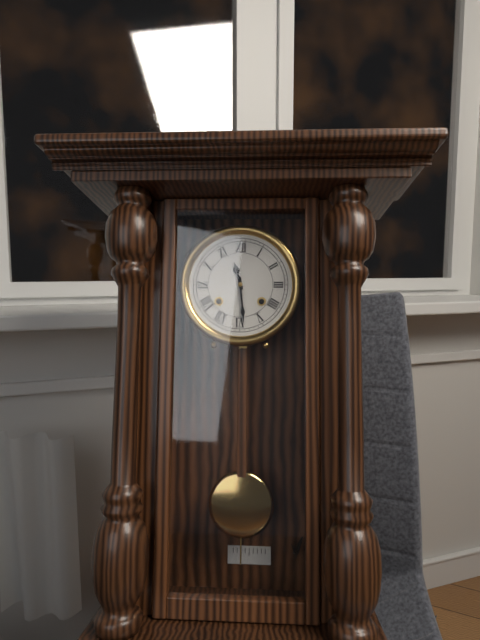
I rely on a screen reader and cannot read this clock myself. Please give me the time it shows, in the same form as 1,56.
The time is 11,29
